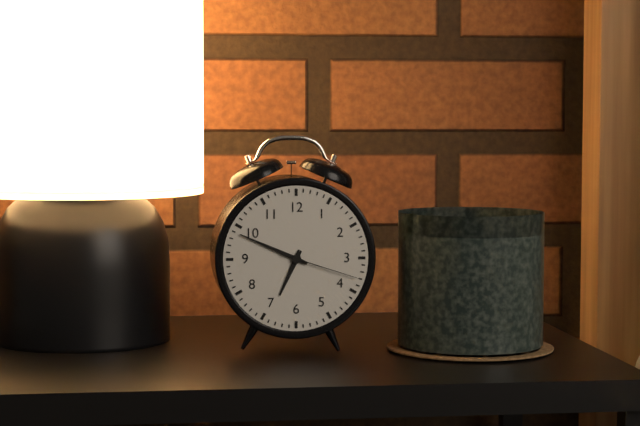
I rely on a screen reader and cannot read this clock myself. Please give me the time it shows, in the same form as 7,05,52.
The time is 6,49,18
